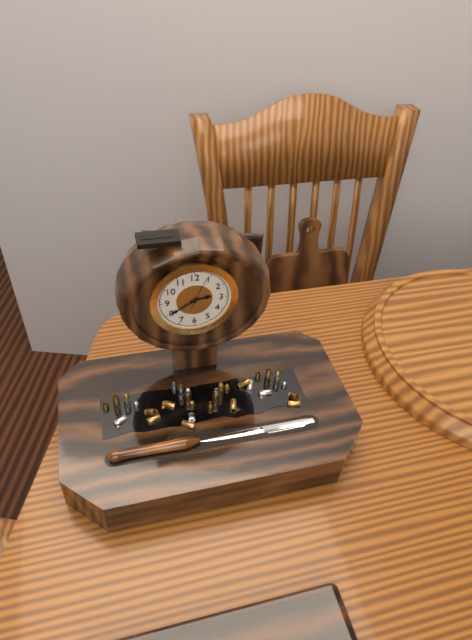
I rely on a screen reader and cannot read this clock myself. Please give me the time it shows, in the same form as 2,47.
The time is 2,40
